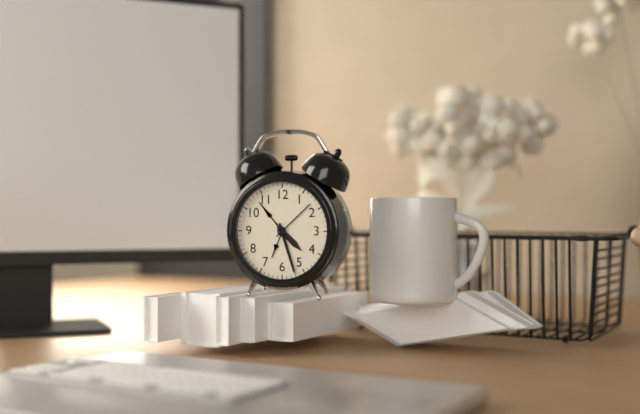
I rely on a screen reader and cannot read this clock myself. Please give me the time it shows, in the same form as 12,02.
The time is 4,27
